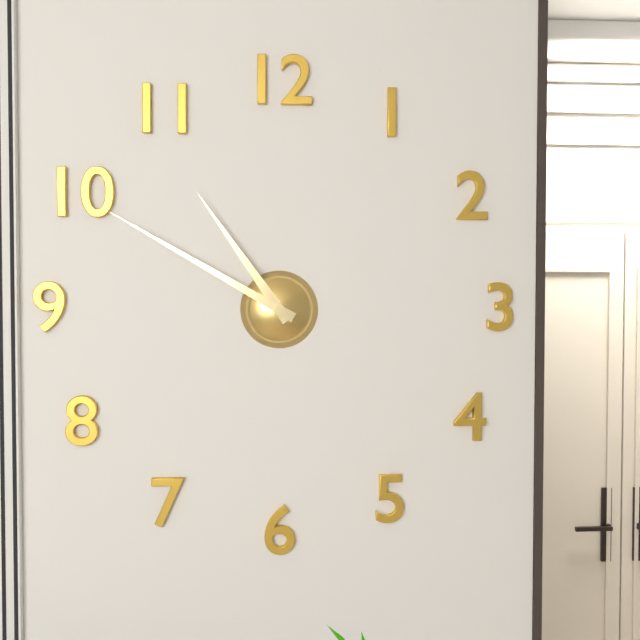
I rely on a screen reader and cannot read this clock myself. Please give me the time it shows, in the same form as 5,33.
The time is 10,50
